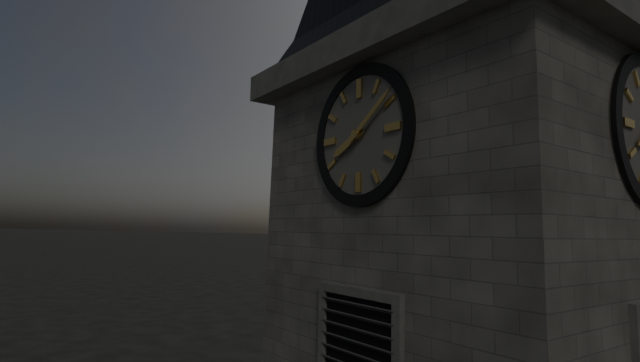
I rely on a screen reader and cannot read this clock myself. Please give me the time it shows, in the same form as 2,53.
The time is 8,09
